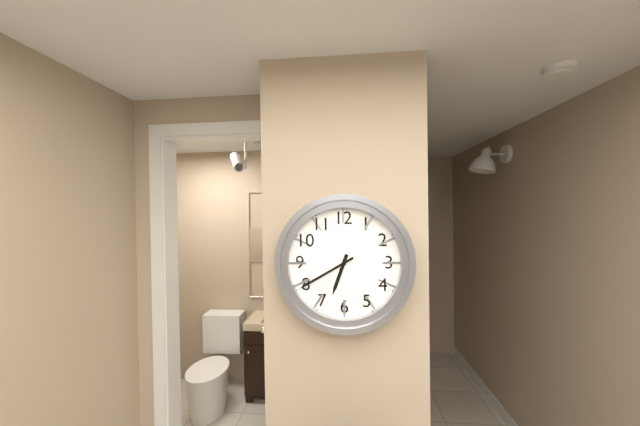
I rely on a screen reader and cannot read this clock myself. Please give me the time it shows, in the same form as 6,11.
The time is 6,40
